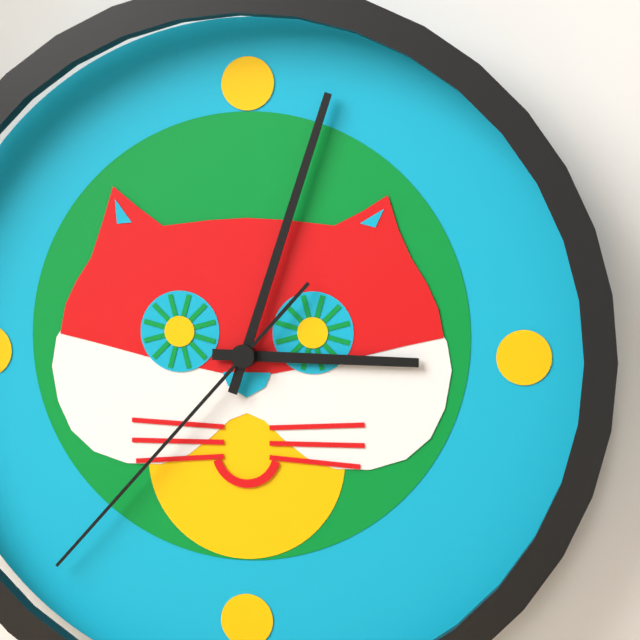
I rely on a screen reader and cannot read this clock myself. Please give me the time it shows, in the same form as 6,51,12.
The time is 3,03,37
